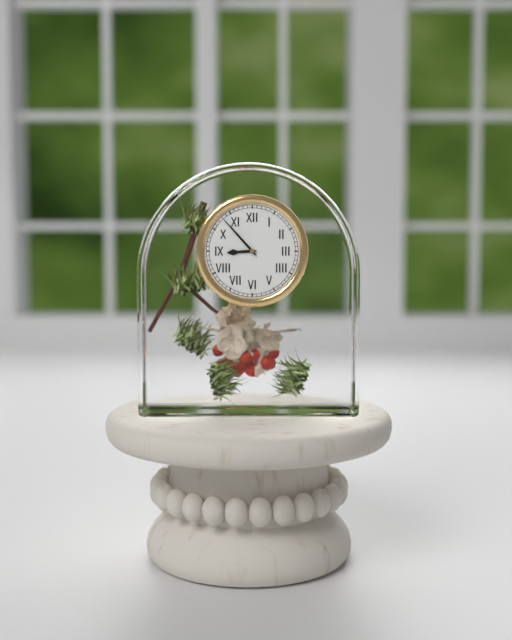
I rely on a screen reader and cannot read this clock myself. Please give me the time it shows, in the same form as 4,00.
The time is 8,53
